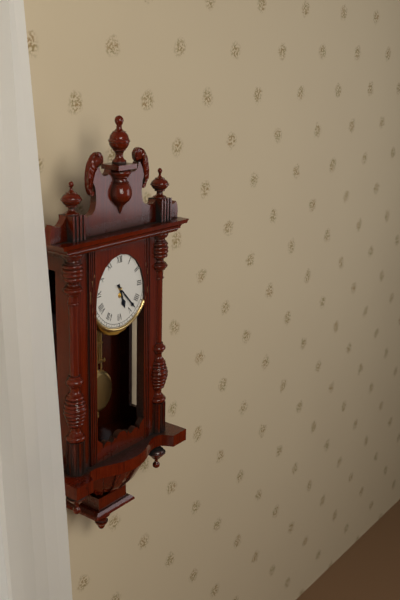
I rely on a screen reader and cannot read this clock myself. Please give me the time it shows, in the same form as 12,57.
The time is 5,23
